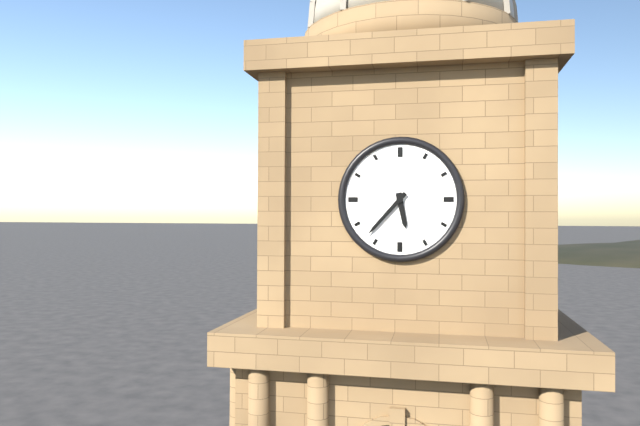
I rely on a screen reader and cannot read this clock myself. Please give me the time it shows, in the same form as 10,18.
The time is 5,37
